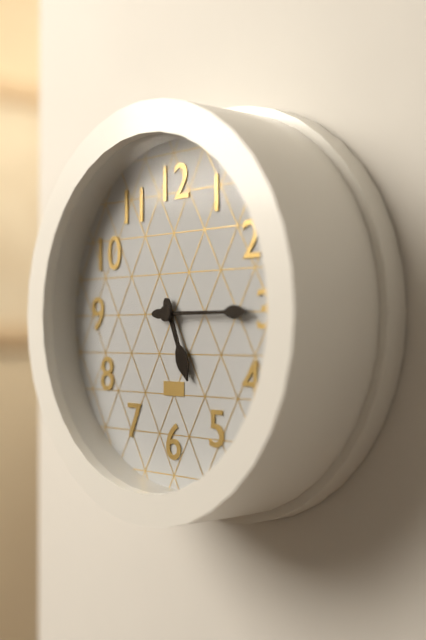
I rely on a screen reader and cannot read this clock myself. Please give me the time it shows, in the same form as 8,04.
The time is 5,15
